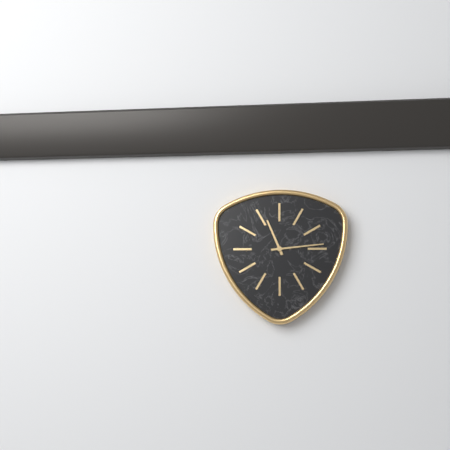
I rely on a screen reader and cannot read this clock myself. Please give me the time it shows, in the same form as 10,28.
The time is 11,14
